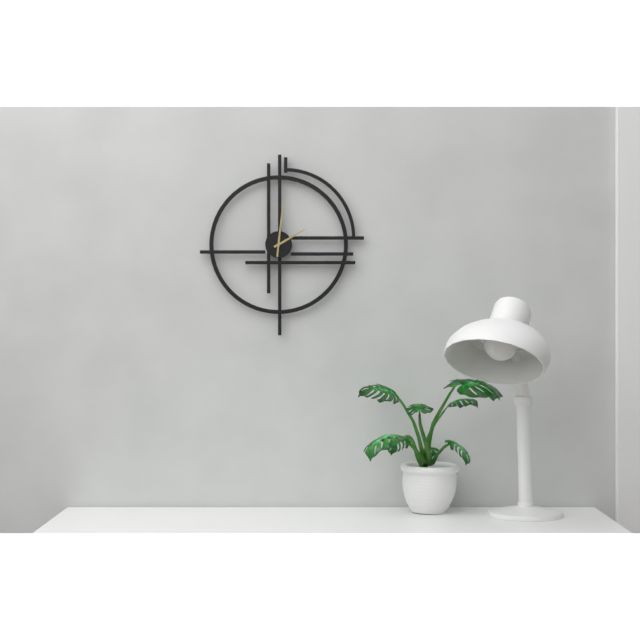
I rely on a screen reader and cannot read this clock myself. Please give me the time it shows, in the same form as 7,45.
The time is 2,01
